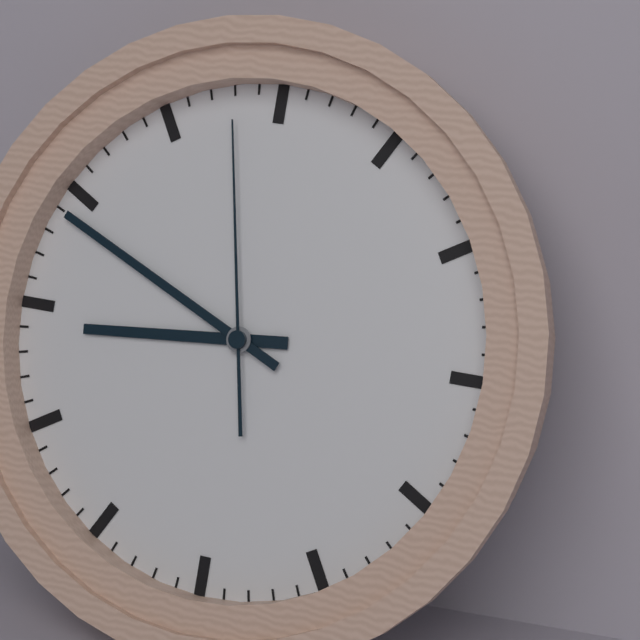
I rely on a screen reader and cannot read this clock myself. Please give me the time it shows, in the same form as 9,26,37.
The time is 8,49,58
